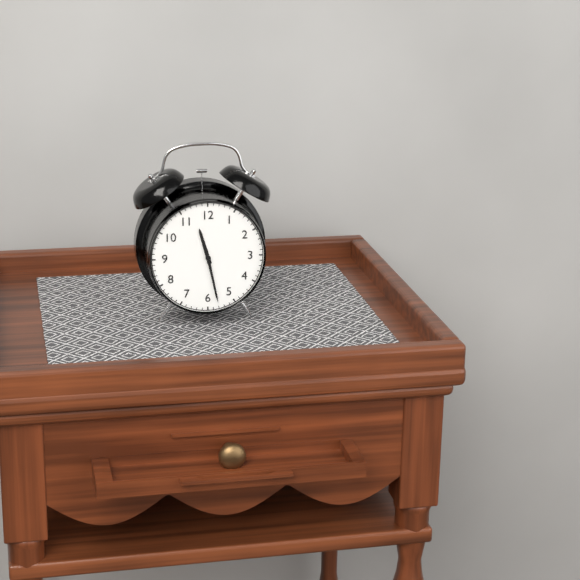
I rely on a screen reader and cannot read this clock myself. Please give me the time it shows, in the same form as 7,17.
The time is 11,28
